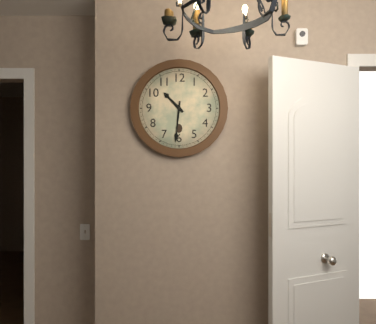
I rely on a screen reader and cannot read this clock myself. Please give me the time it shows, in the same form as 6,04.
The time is 10,31
